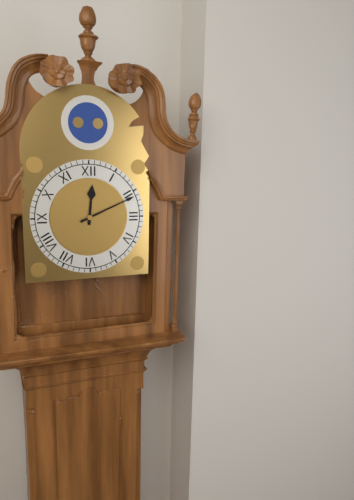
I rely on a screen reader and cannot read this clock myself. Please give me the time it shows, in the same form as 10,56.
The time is 12,11
